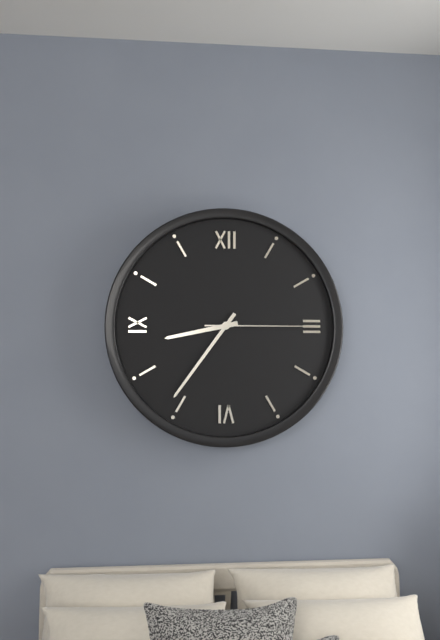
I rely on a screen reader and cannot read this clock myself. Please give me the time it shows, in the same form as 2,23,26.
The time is 8,36,15
